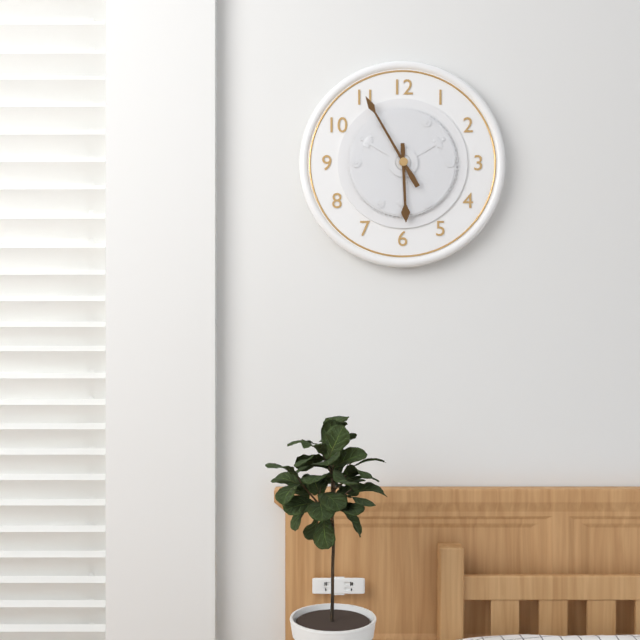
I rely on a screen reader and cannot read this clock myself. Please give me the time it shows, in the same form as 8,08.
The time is 5,55
